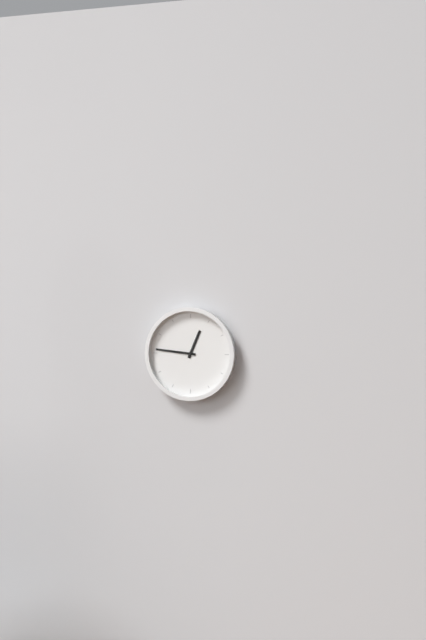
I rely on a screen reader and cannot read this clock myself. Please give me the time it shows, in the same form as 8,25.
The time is 12,46
